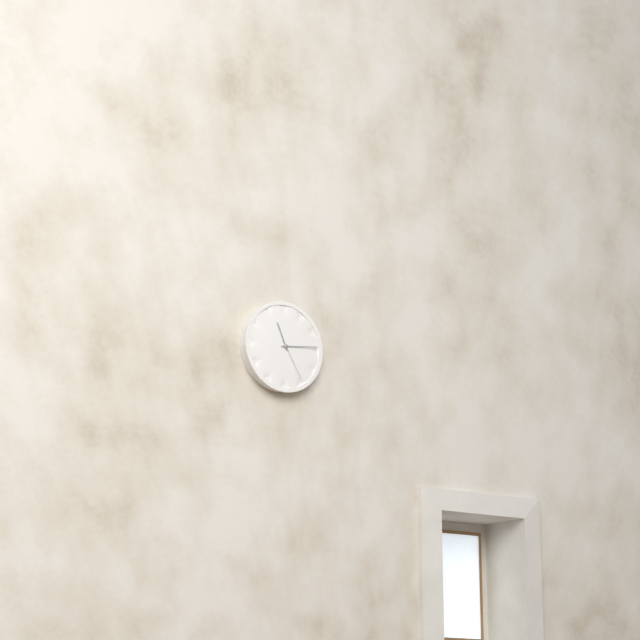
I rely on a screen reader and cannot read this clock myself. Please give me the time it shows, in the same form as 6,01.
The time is 11,14
